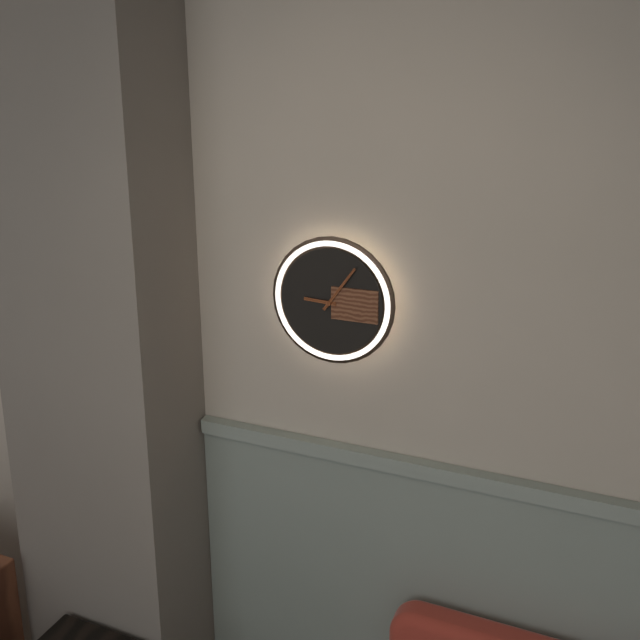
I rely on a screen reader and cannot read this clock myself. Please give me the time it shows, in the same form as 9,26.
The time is 9,06
